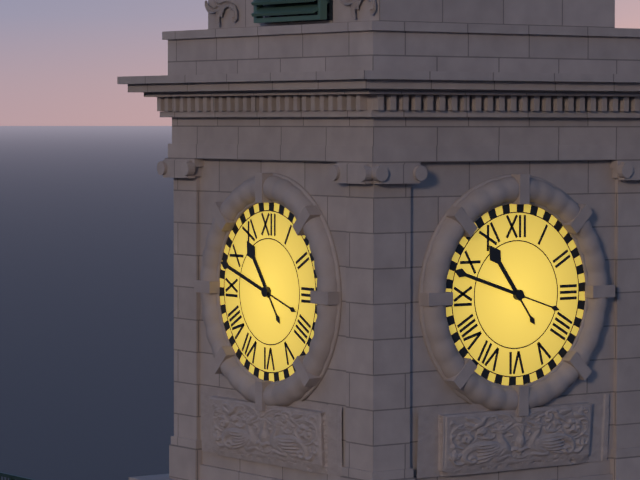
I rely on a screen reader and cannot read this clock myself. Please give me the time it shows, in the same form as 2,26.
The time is 10,48
